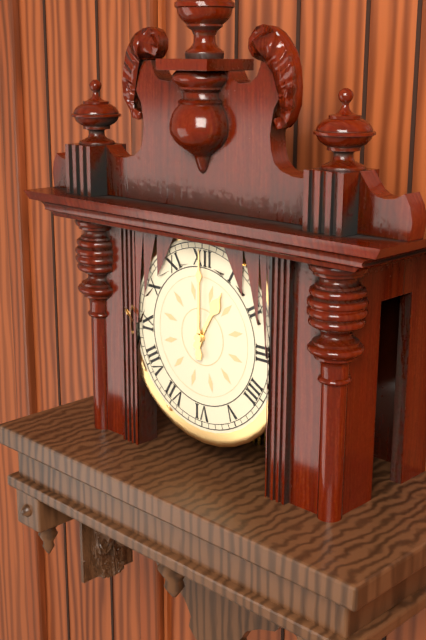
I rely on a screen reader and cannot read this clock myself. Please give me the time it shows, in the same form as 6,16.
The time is 1,00
